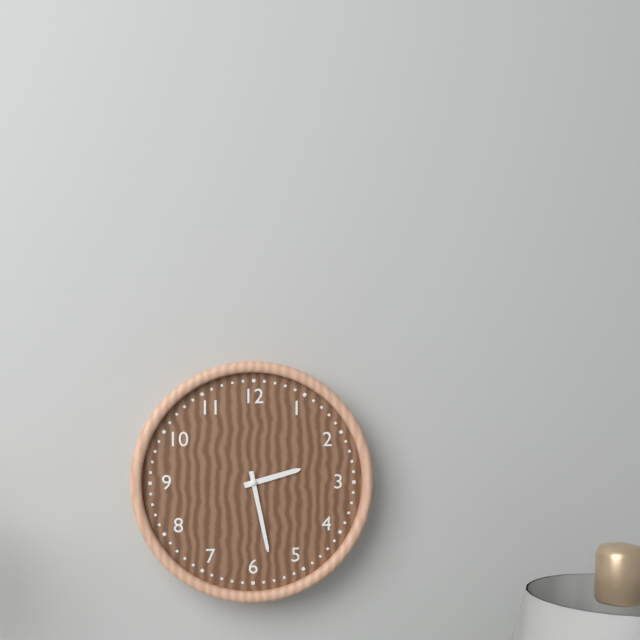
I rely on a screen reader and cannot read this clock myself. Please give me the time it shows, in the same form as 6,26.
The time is 2,28
